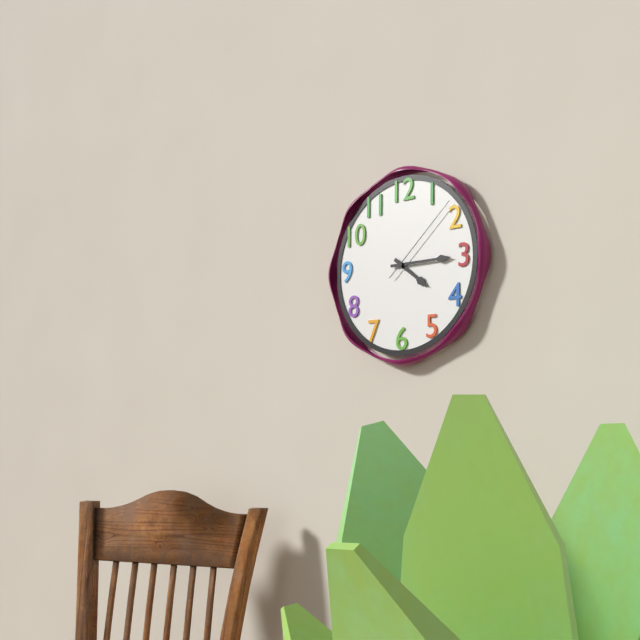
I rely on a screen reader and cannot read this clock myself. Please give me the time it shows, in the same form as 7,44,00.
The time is 4,15,08
